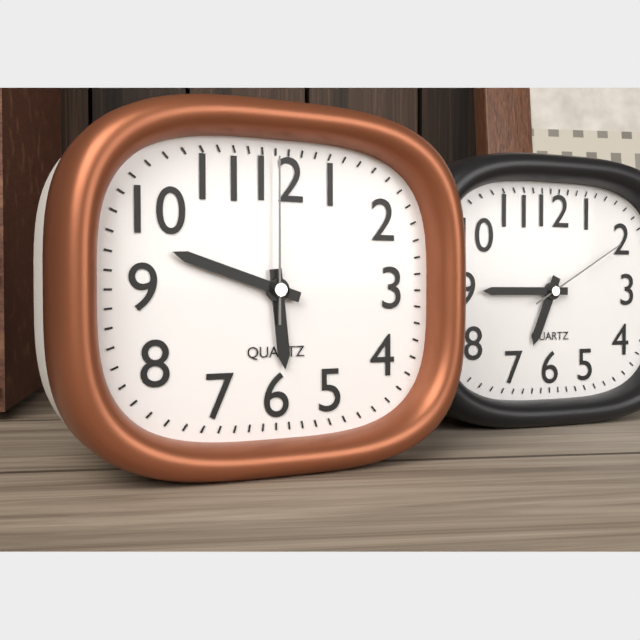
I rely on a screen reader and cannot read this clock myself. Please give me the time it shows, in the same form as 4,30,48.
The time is 5,48,00
